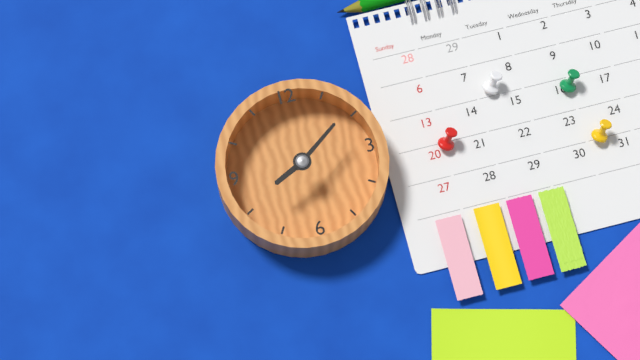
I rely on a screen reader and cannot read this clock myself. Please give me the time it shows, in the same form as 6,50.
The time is 8,09
